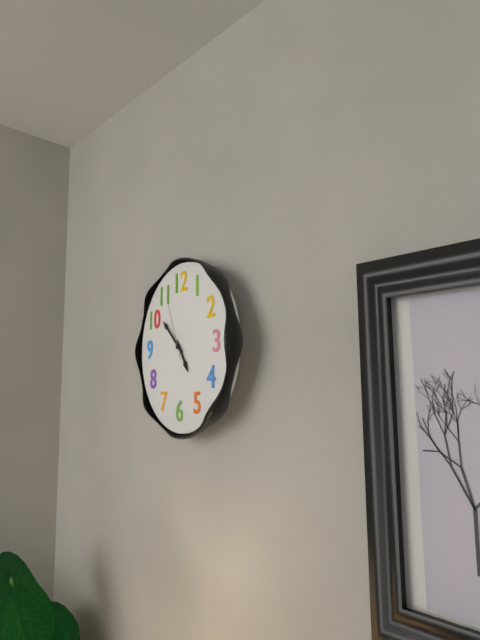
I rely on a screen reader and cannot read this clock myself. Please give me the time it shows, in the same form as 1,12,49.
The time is 4,52,56
